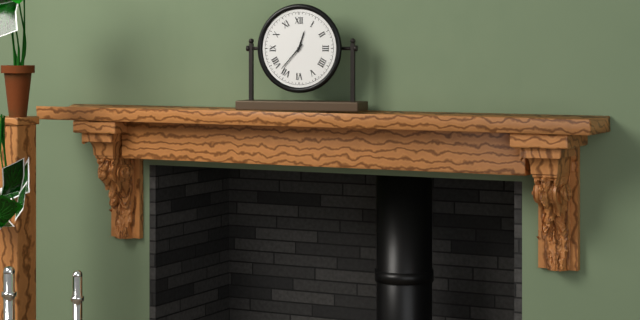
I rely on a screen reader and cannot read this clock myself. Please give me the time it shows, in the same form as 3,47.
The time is 12,37
